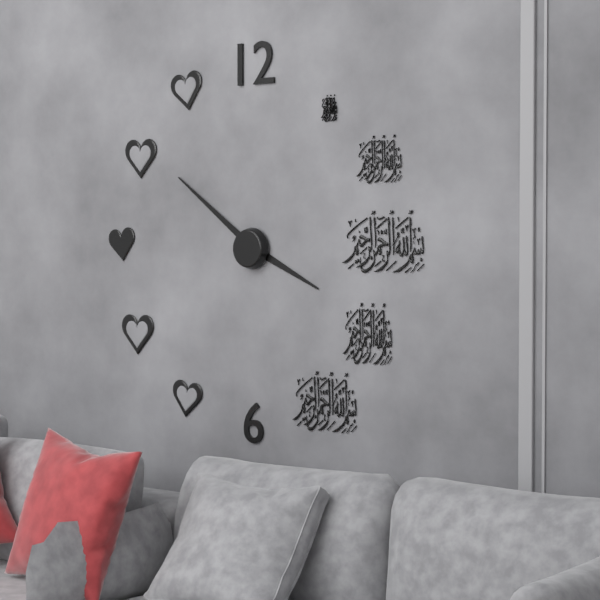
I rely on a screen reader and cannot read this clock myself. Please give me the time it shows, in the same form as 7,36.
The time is 3,51
